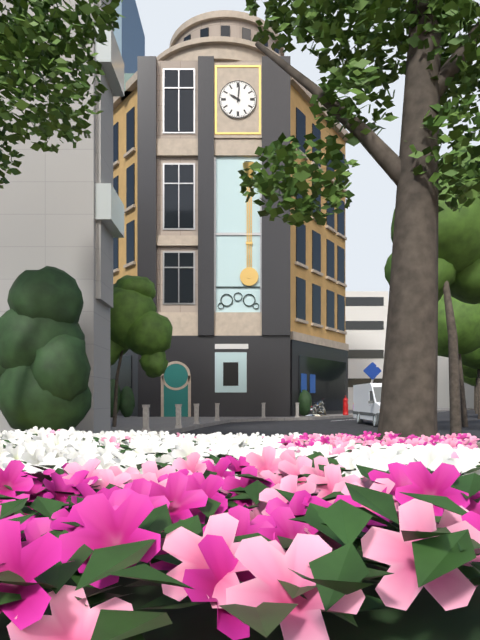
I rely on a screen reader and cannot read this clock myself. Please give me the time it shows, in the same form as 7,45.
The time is 10,01
